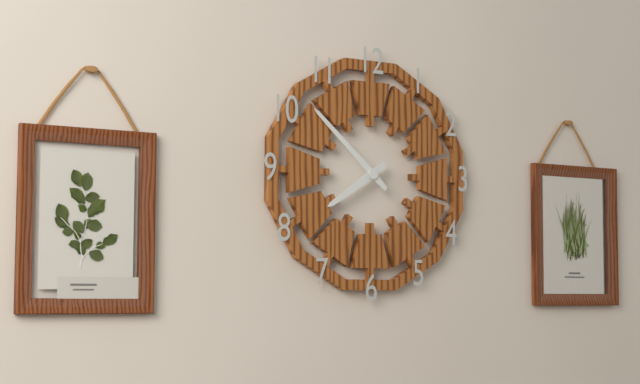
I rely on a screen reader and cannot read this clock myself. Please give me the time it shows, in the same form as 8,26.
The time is 7,52
